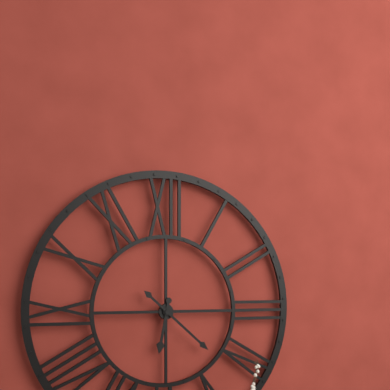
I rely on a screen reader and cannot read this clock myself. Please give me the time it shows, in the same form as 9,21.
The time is 6,22
